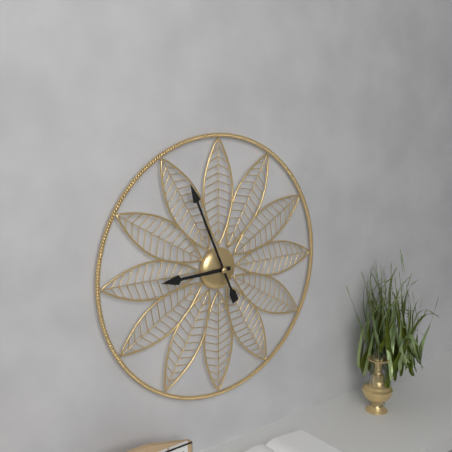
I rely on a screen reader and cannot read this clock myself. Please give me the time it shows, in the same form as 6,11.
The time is 8,56
